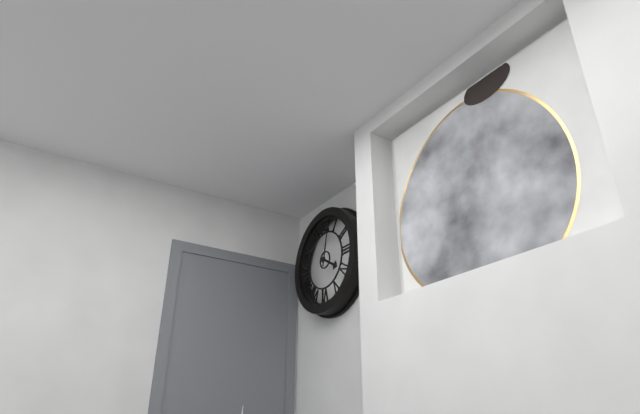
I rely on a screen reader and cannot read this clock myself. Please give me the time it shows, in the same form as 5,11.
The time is 4,02
